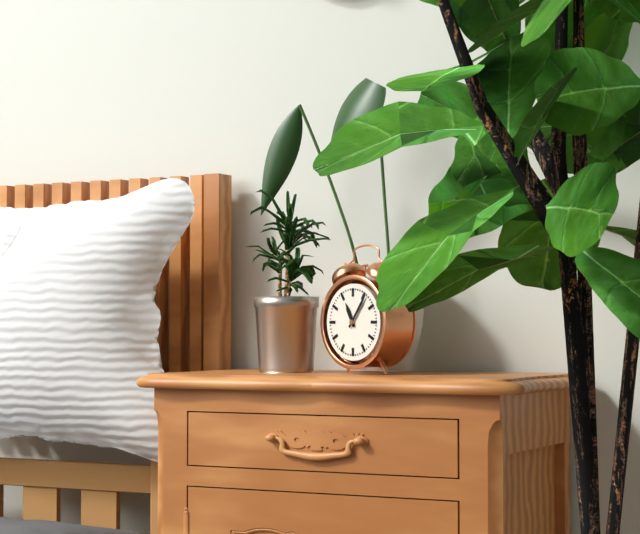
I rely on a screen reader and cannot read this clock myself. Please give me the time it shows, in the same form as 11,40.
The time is 11,06
